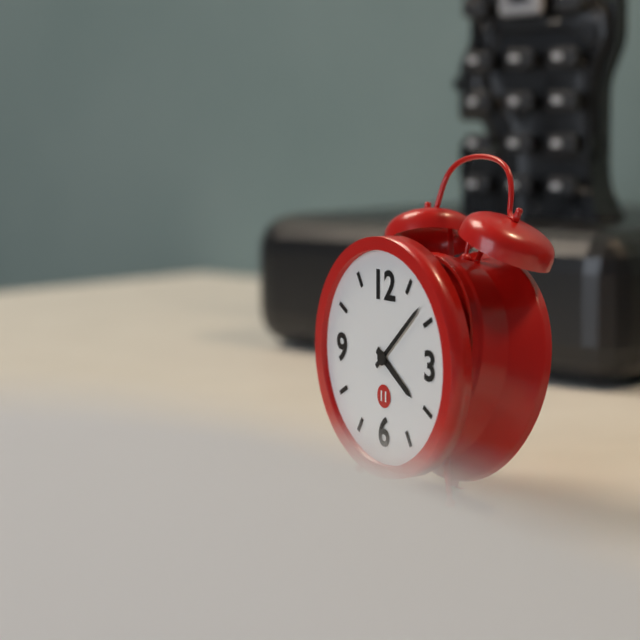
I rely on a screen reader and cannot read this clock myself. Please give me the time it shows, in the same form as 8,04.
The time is 4,08
